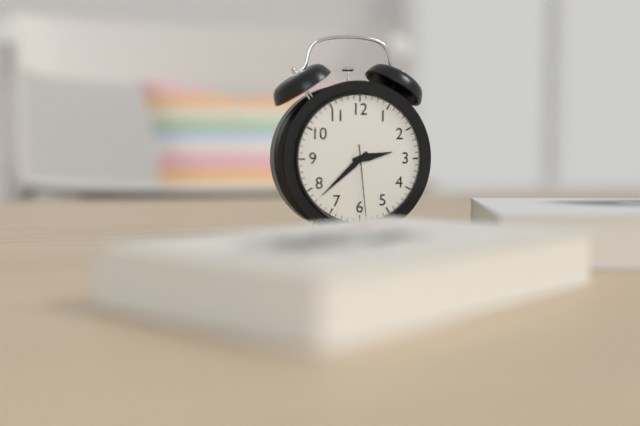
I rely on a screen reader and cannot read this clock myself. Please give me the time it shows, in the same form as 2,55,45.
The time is 2,38,29
